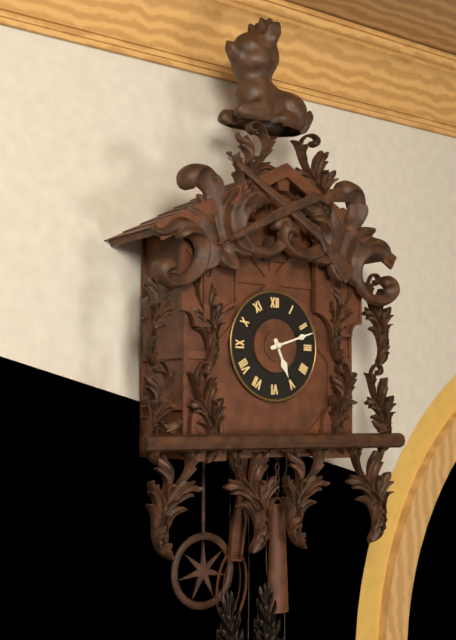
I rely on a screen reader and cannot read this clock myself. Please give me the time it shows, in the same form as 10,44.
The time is 5,12
